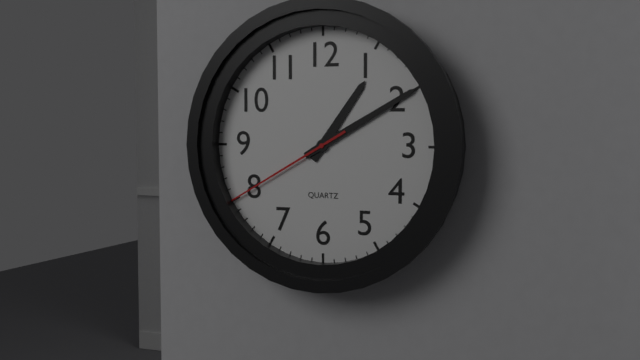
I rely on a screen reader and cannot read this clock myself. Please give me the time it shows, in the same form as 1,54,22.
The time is 1,10,40
